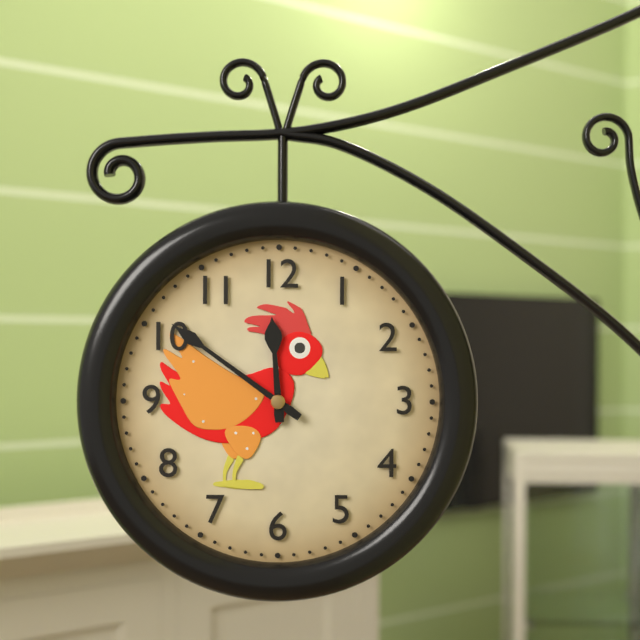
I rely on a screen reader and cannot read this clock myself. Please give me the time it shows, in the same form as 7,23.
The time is 11,51
